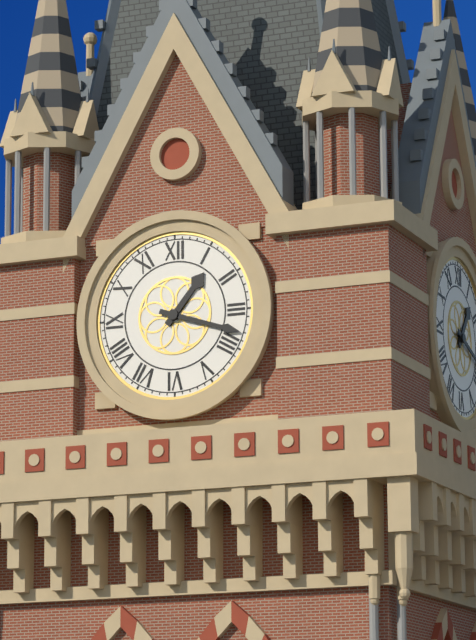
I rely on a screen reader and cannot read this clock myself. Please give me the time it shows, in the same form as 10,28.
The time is 1,18
